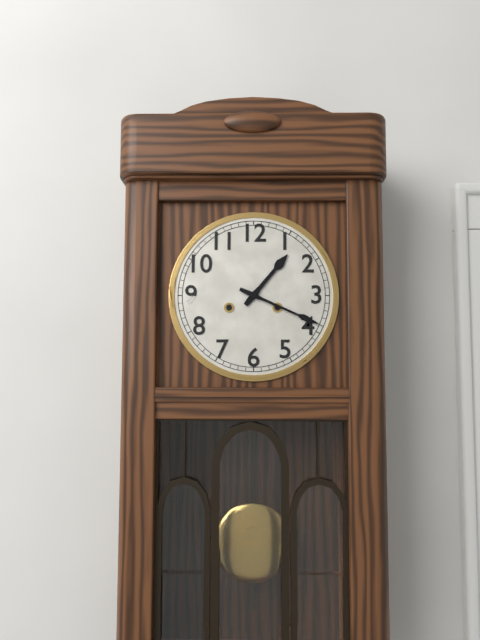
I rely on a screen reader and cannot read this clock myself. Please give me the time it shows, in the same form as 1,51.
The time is 1,19
